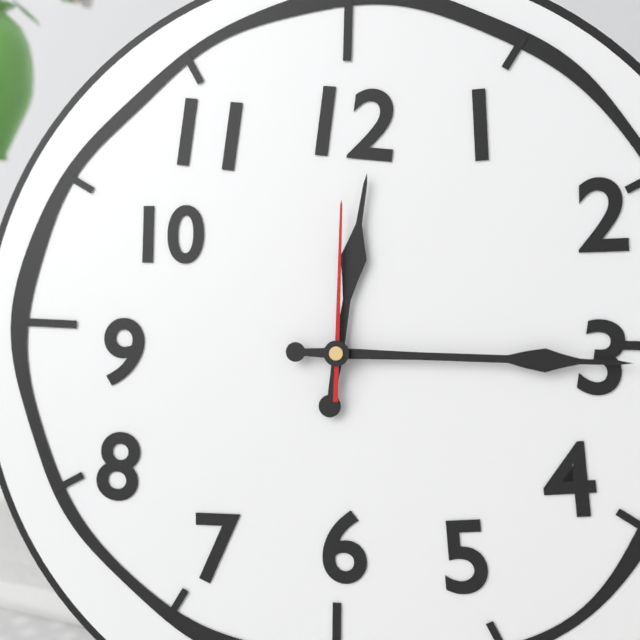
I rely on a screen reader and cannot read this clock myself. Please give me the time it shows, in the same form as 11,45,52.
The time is 12,15,00
